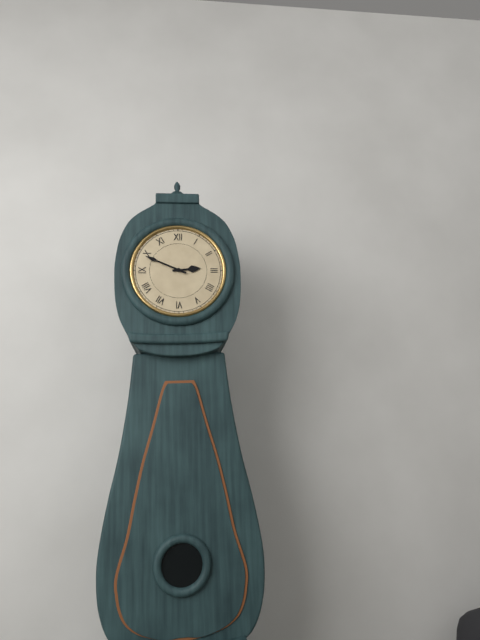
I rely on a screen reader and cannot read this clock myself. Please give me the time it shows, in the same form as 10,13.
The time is 2,49
